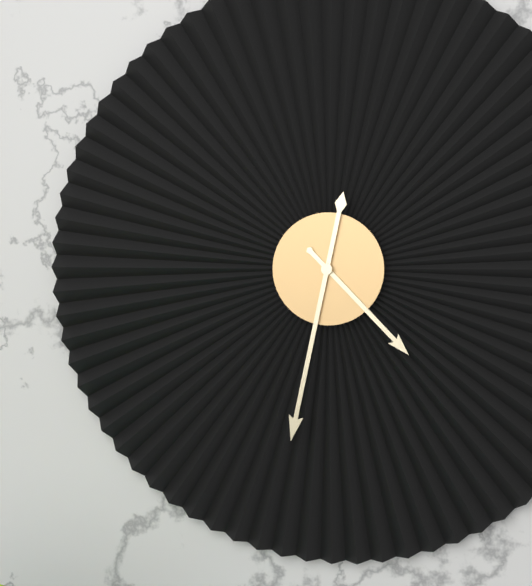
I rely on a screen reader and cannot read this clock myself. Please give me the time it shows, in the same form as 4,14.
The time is 4,32
